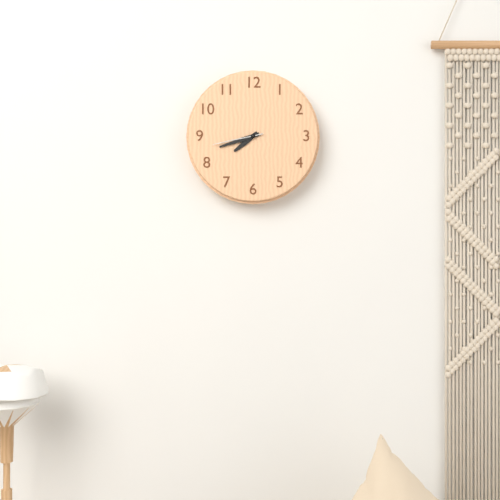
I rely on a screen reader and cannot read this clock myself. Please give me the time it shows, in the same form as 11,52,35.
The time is 7,42,43
